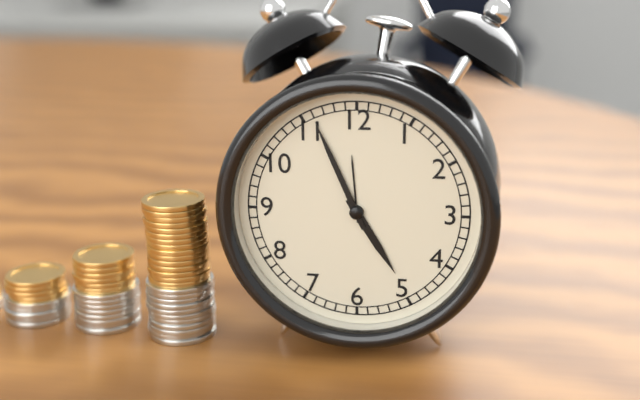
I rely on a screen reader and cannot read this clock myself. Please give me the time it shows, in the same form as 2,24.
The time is 4,56
